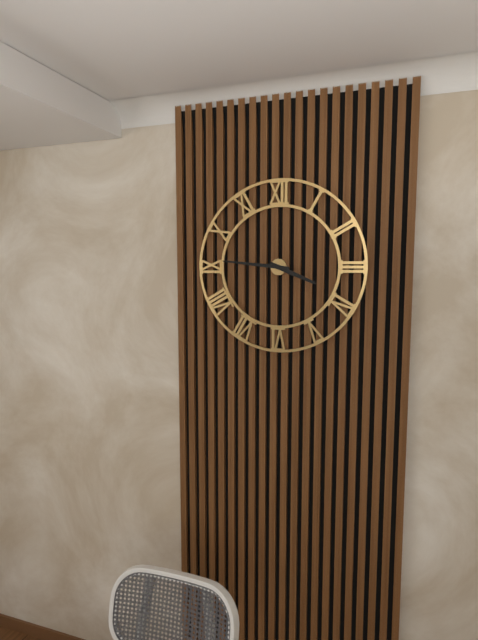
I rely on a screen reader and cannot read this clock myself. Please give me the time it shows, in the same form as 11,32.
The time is 3,46
